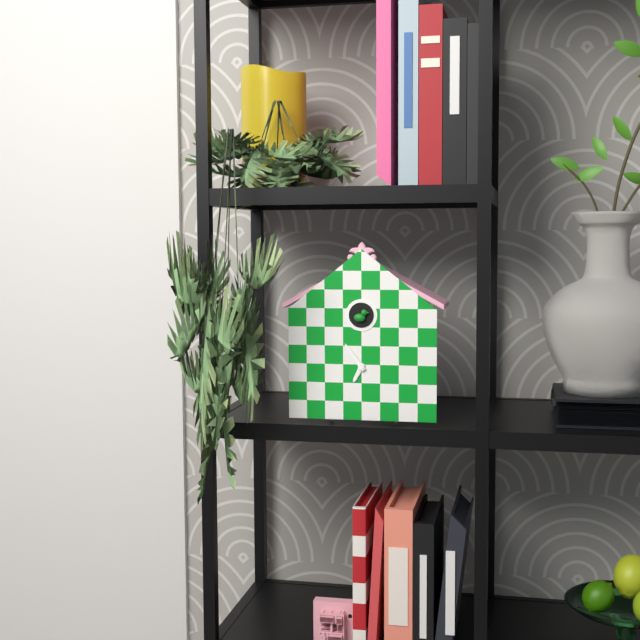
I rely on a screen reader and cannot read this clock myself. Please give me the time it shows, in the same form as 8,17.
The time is 6,54
